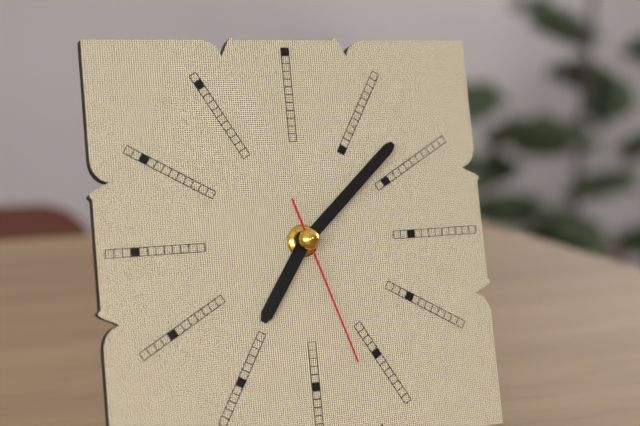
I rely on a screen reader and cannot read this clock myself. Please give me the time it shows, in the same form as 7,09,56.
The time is 7,08,27
